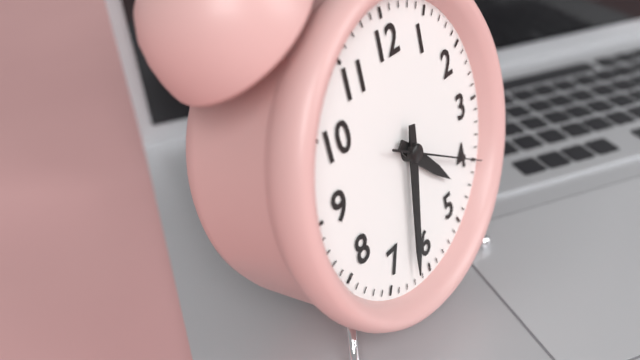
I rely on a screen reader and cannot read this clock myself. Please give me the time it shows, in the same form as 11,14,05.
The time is 4,32,20
